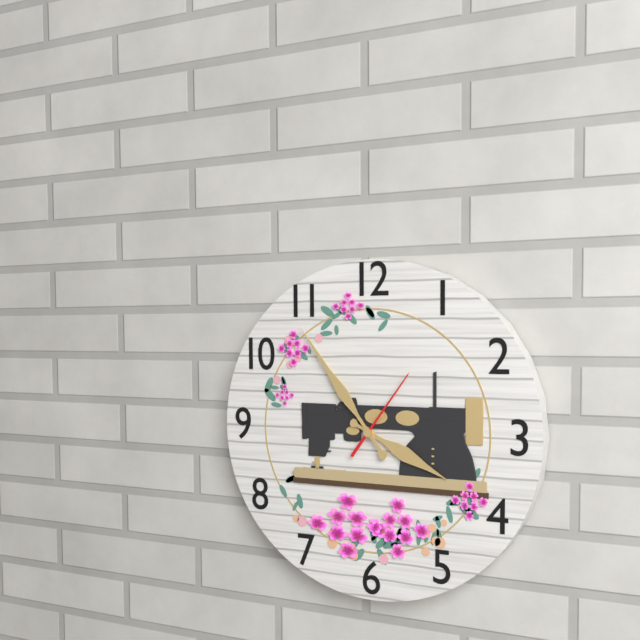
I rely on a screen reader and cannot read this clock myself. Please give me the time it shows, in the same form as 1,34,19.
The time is 3,54,06
